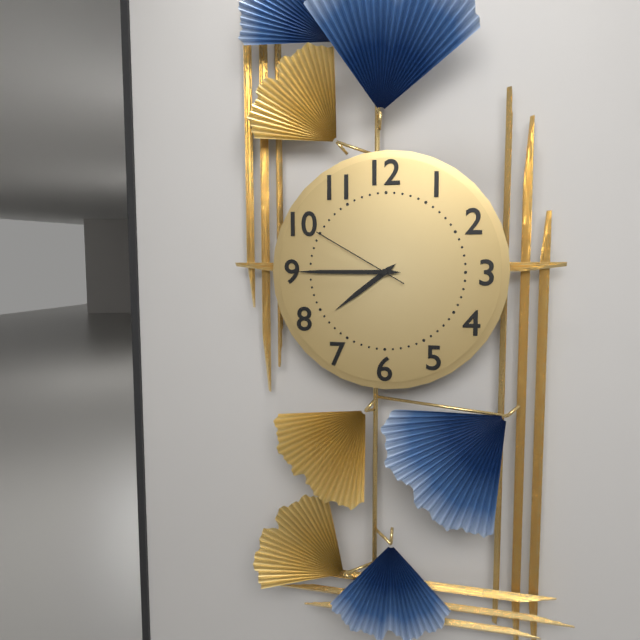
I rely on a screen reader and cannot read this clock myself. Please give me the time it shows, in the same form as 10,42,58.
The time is 7,45,50
